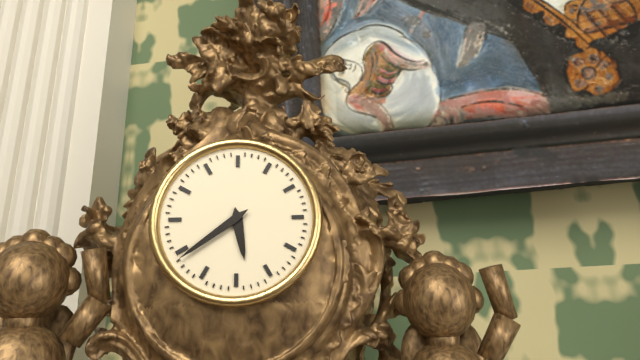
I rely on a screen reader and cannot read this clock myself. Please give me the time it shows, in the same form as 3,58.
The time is 5,39
